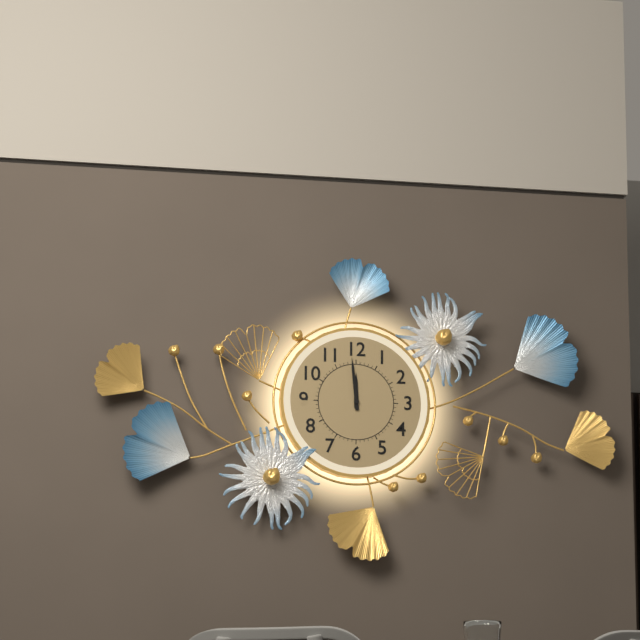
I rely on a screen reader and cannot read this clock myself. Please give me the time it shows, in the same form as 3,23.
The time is 11,59
